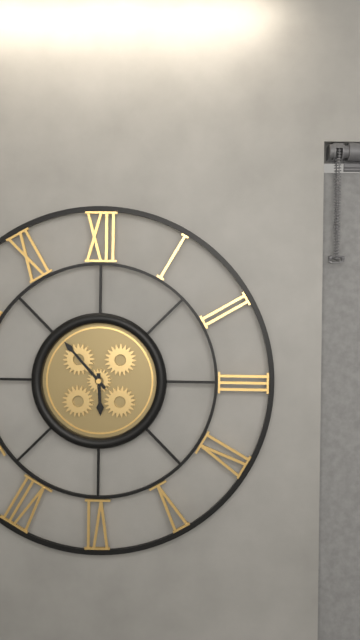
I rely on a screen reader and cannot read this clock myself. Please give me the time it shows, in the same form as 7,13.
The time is 5,53
